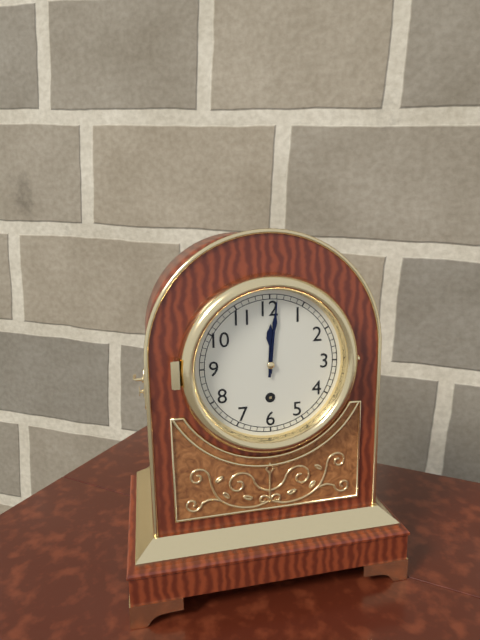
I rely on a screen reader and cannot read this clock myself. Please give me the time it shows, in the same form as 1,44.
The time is 12,01
